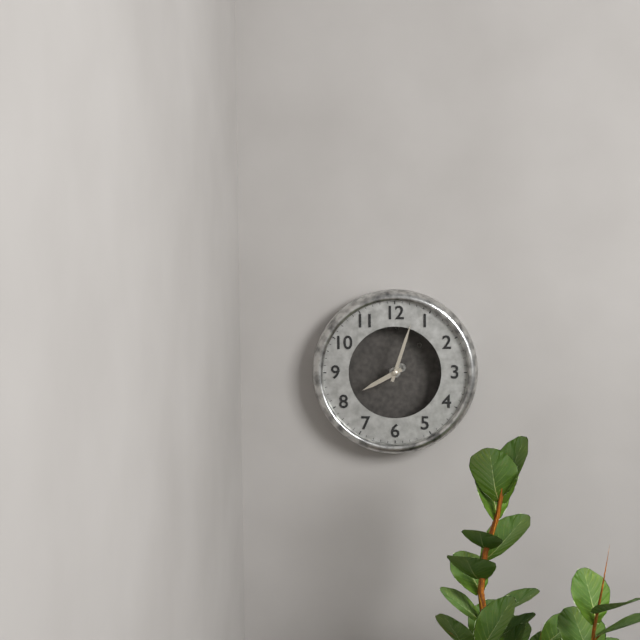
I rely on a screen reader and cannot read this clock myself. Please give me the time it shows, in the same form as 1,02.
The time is 8,03
